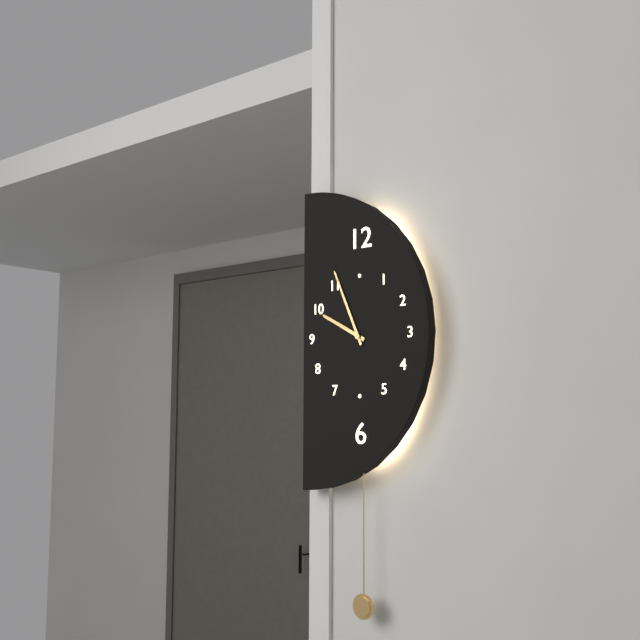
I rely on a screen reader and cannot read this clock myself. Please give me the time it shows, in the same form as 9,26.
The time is 9,56
